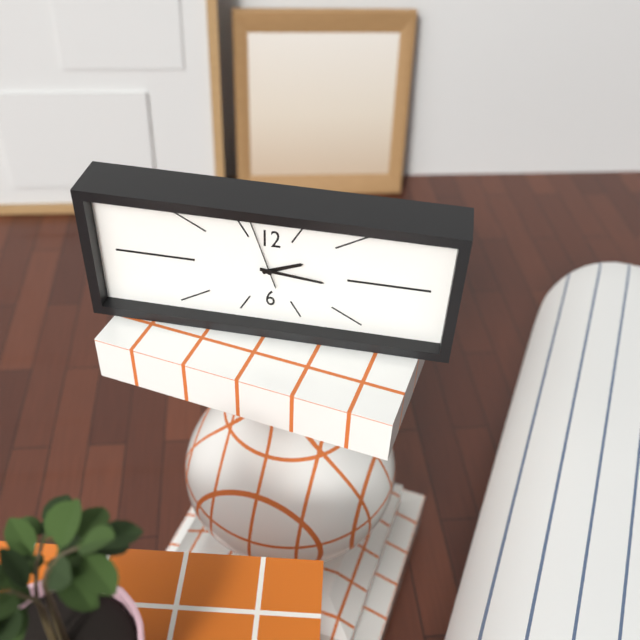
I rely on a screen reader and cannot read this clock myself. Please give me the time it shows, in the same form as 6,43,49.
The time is 2,16,57
